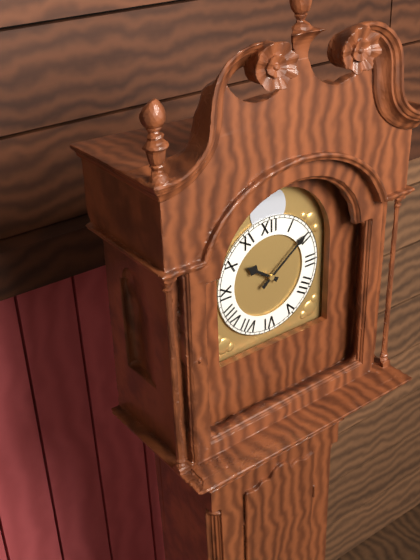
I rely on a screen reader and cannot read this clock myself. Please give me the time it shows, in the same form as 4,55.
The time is 10,09
